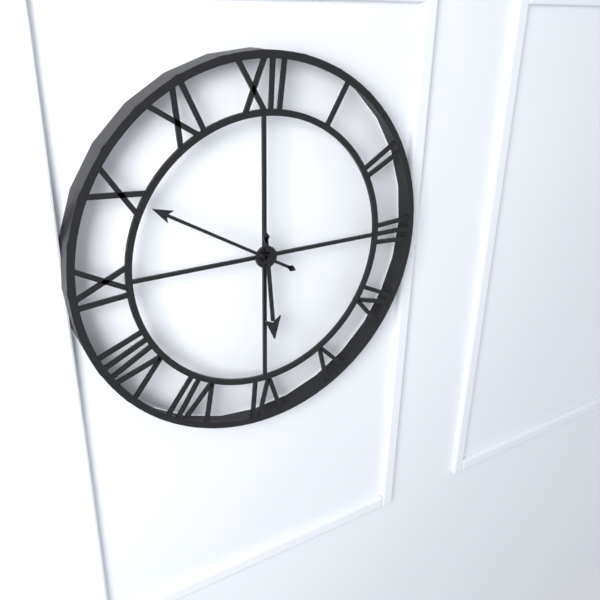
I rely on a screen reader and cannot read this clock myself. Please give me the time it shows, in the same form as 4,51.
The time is 5,50
